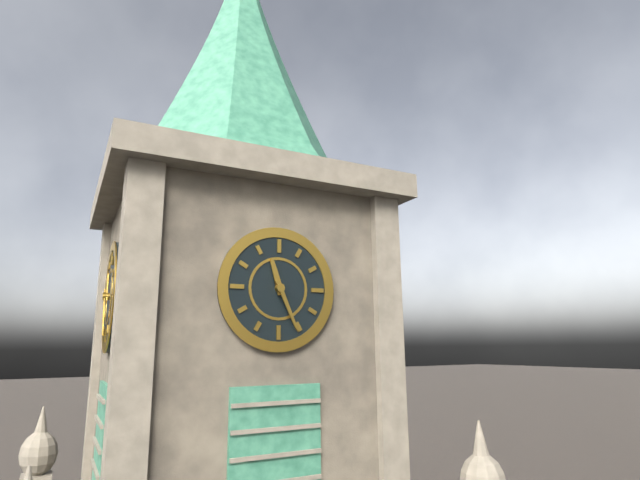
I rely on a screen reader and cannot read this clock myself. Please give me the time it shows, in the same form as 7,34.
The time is 11,26
